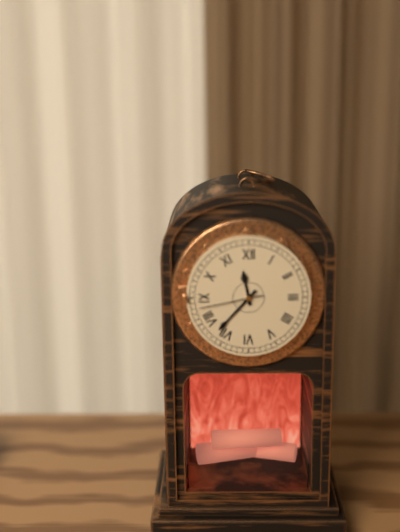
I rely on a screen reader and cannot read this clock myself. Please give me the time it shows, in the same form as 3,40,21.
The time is 11,37,43
